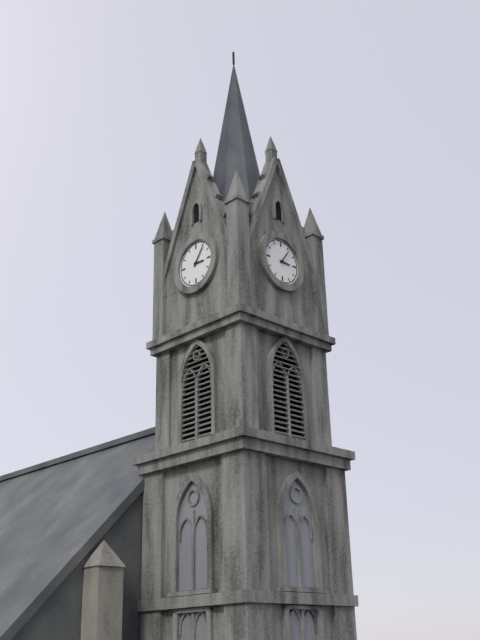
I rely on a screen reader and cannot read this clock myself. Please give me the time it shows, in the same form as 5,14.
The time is 3,06
